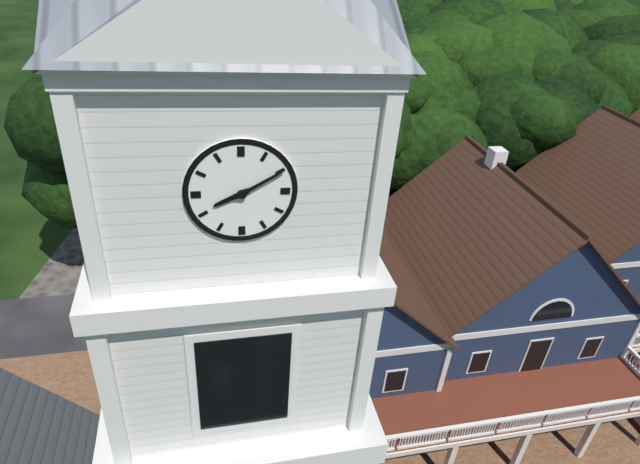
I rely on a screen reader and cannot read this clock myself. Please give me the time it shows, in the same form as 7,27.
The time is 8,10
